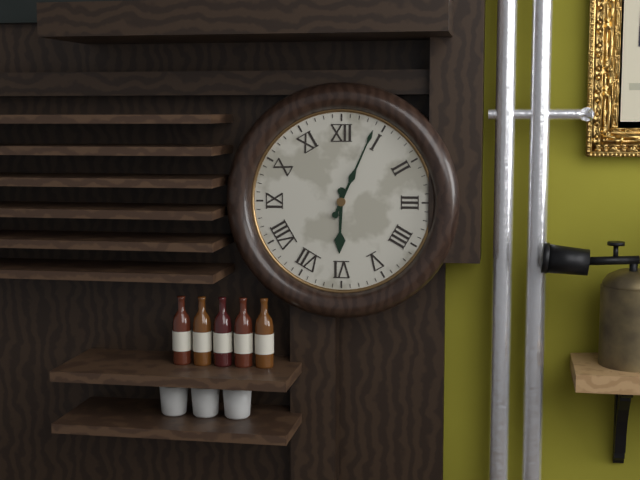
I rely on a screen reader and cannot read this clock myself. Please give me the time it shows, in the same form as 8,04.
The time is 6,04
